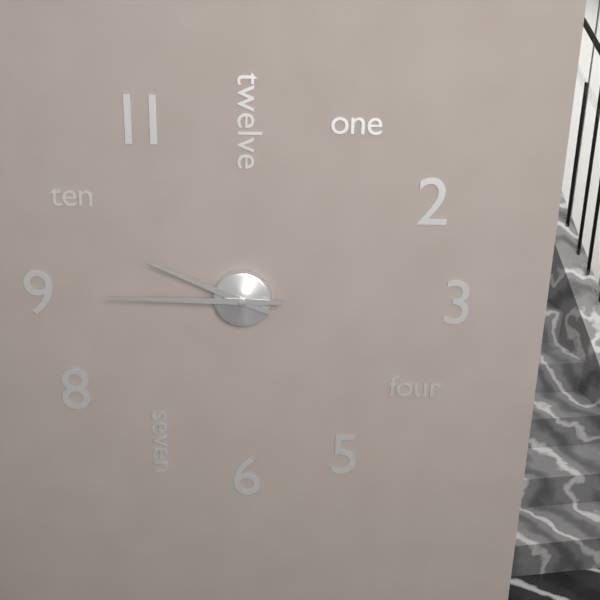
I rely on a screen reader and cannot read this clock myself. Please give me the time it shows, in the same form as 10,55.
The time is 9,45
